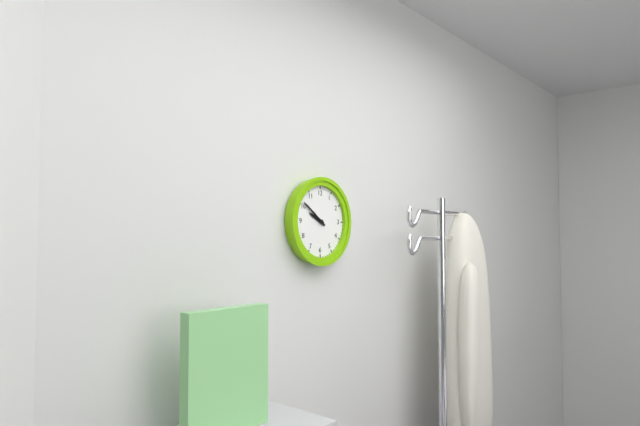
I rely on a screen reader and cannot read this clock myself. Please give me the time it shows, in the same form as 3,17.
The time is 9,51
